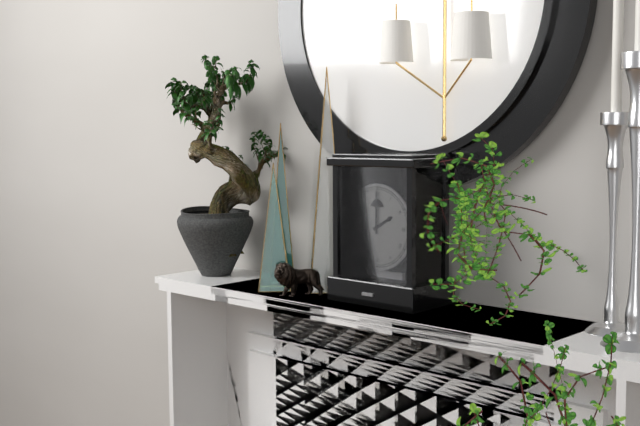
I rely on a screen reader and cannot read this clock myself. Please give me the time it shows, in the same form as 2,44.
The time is 2,00
